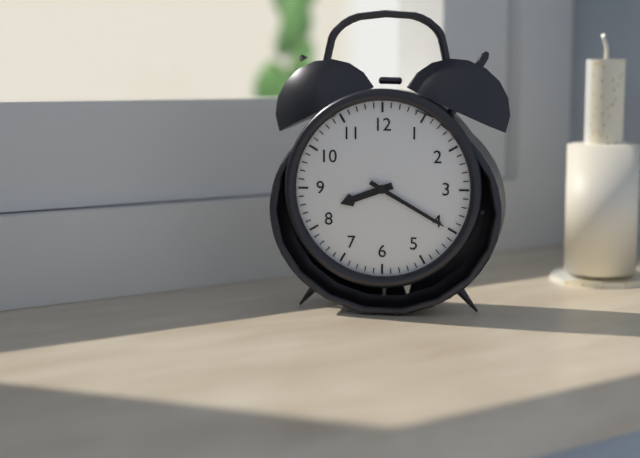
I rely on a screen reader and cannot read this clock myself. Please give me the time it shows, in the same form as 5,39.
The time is 8,20
